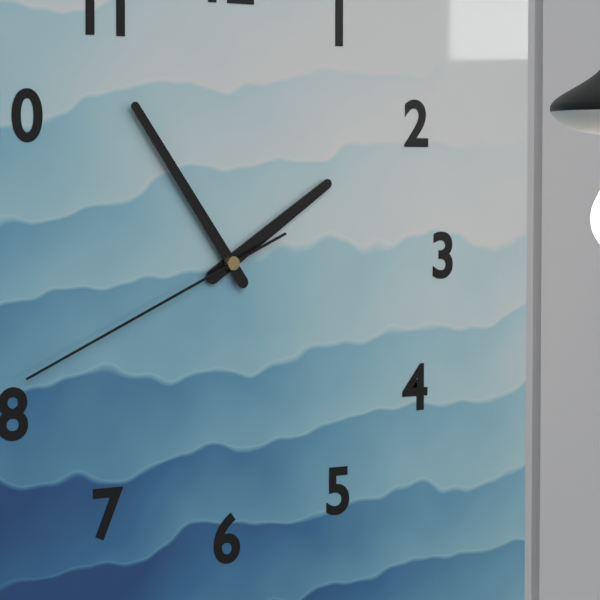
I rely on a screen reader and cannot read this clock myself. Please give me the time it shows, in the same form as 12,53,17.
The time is 1,54,41
